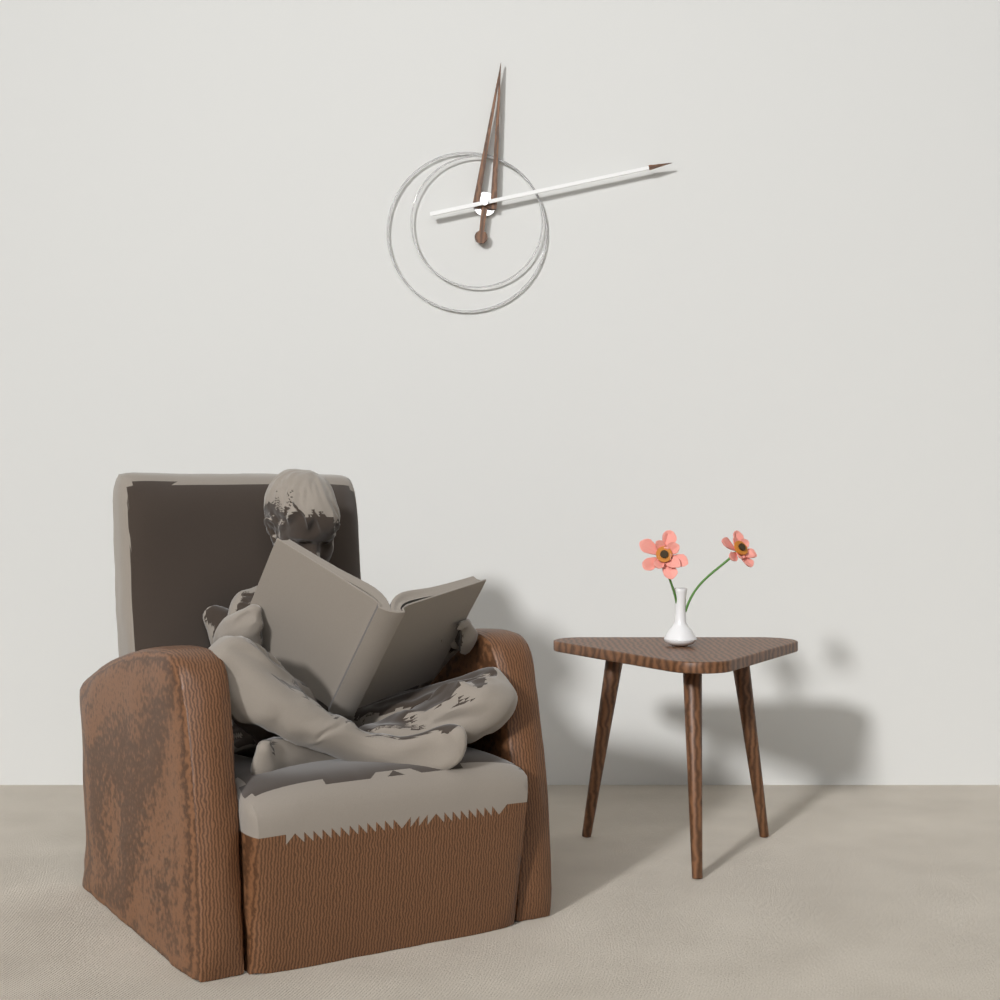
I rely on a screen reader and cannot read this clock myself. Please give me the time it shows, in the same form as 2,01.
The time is 12,13
